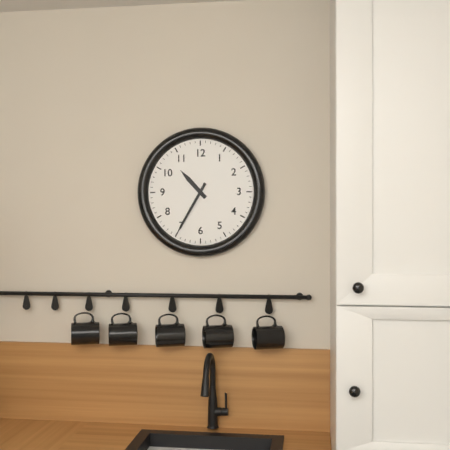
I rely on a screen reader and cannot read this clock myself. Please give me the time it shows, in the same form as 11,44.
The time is 10,35
